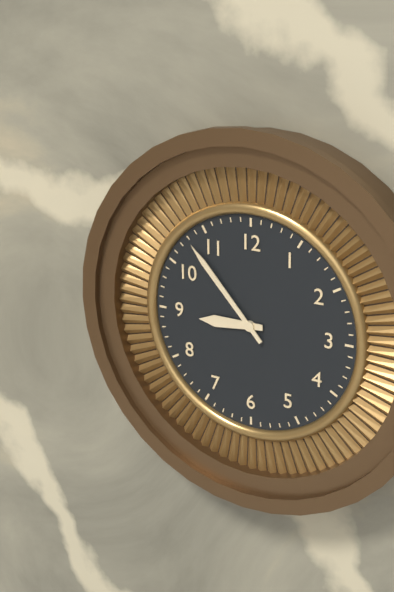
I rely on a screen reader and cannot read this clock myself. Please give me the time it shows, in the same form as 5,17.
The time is 8,53
